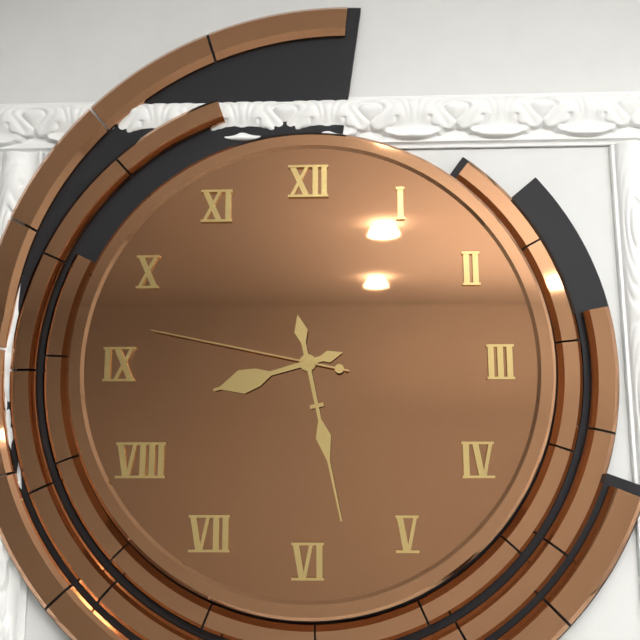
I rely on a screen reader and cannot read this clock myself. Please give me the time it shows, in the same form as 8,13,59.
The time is 8,28,47
